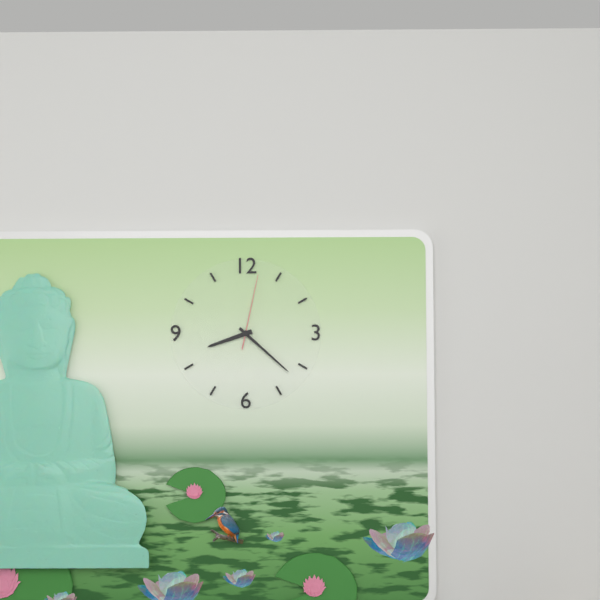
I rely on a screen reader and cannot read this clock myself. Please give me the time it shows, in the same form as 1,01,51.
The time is 8,22,02
